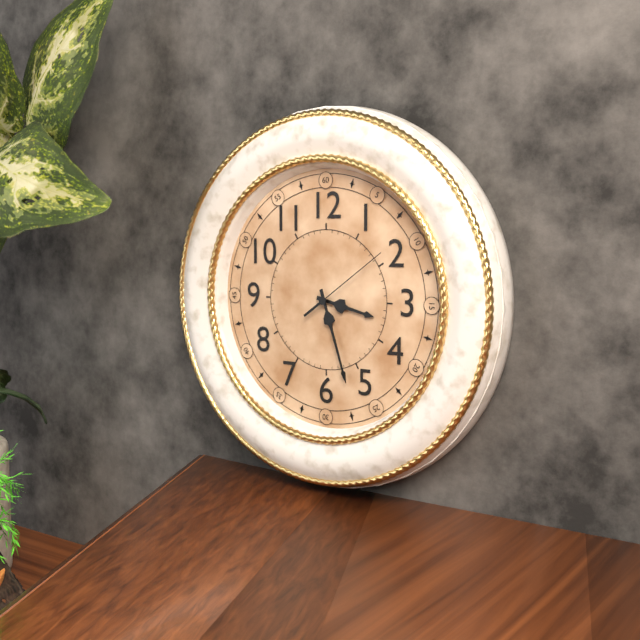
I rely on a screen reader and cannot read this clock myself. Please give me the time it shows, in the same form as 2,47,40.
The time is 3,27,09
